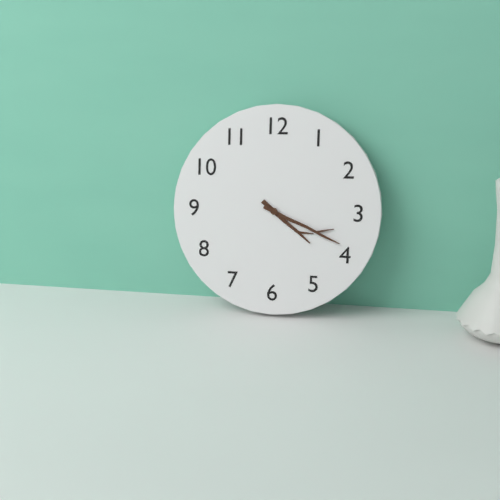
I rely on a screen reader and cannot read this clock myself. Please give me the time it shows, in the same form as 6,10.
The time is 4,19
